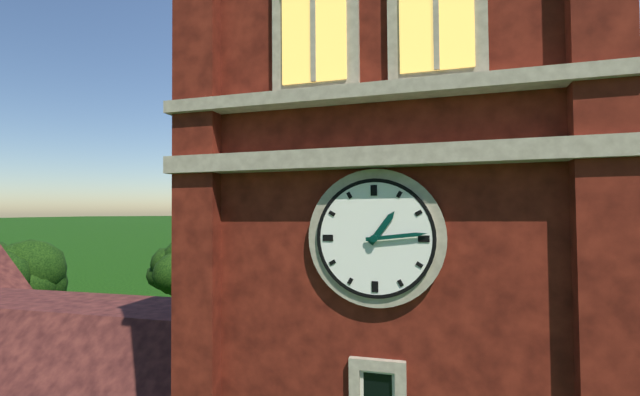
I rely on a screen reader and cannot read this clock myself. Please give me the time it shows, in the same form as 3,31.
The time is 1,14
